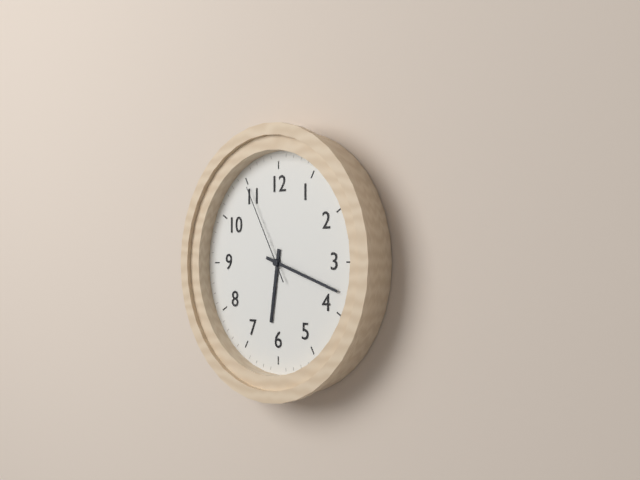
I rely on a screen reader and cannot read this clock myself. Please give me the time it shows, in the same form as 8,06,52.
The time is 6,18,55
